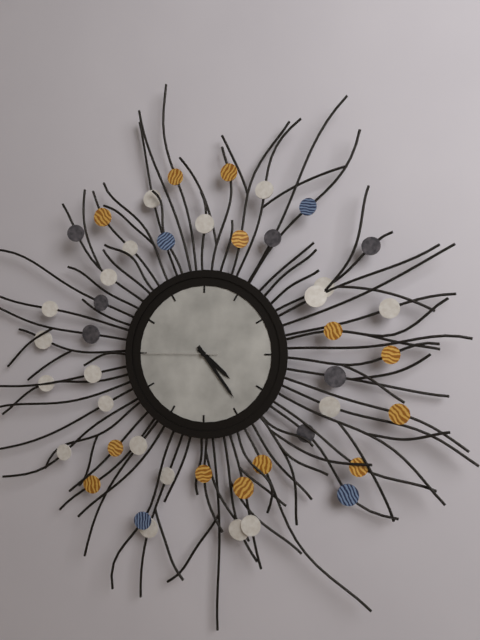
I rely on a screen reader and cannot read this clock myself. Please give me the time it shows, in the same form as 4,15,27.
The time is 4,24,45
